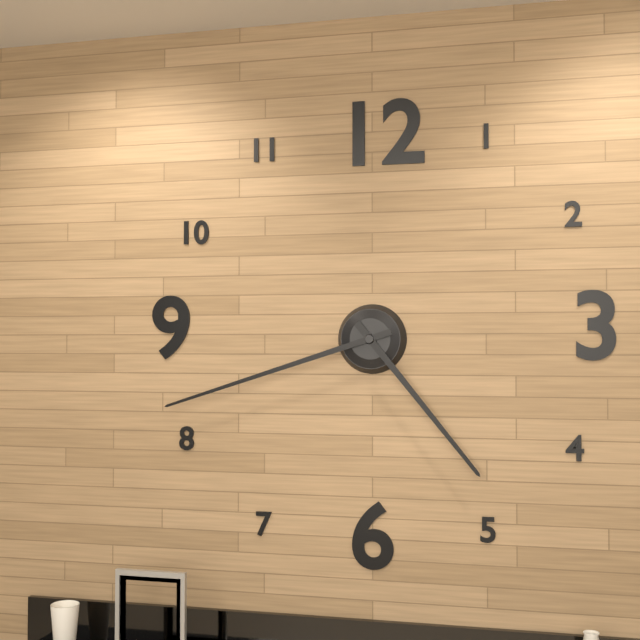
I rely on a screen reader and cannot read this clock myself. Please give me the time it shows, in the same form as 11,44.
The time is 4,42
